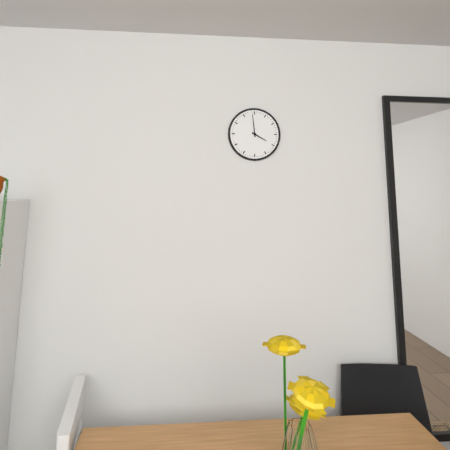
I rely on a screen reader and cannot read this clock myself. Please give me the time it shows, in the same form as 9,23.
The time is 3,59
